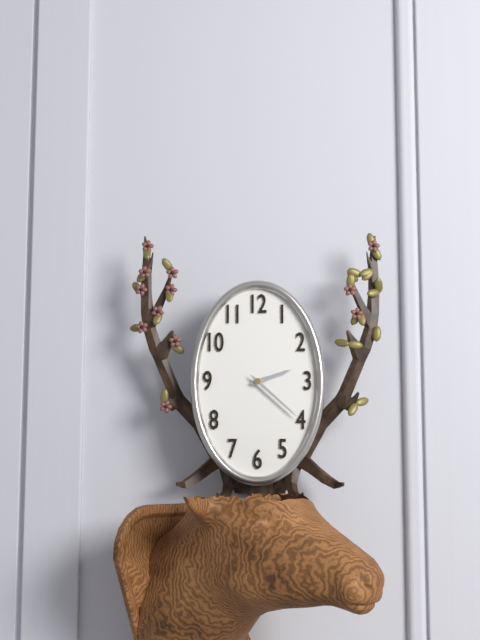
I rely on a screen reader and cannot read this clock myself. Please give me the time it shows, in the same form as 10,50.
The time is 2,22
